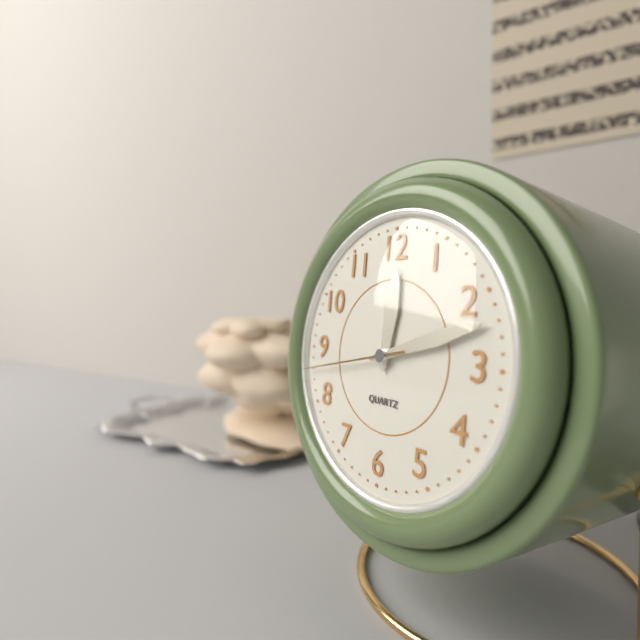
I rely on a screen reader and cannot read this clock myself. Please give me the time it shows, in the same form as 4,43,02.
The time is 12,12,43
